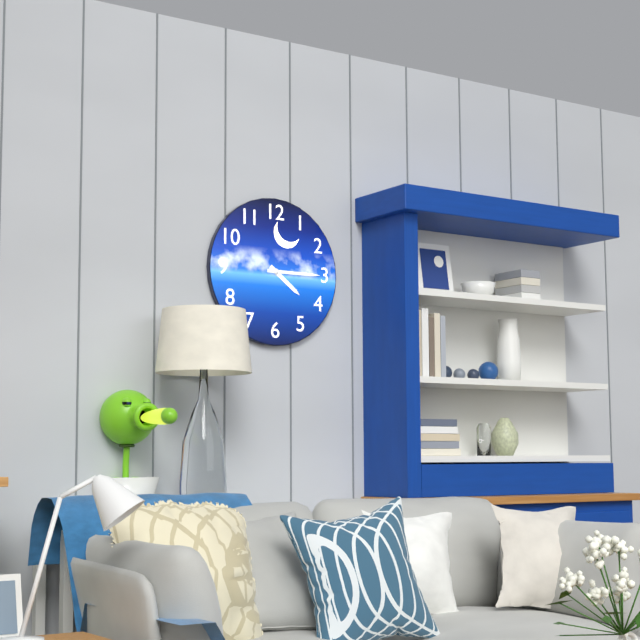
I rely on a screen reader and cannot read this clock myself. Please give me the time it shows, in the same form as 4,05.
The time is 4,15
